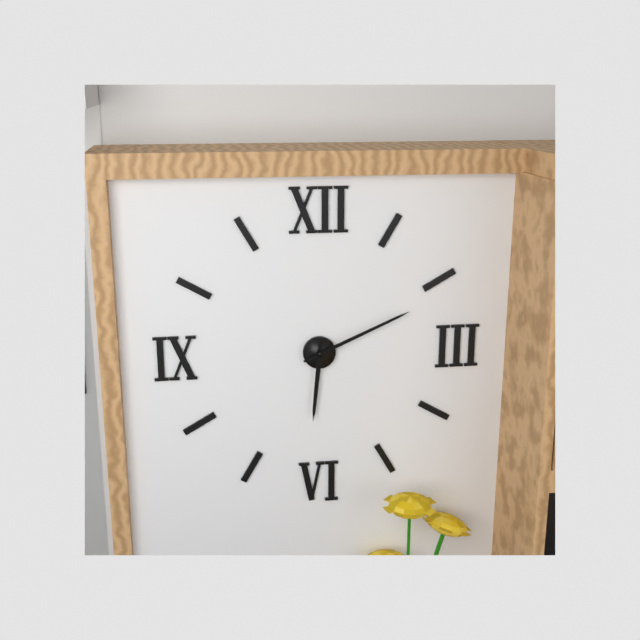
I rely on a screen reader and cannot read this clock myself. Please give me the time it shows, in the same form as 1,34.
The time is 6,11
